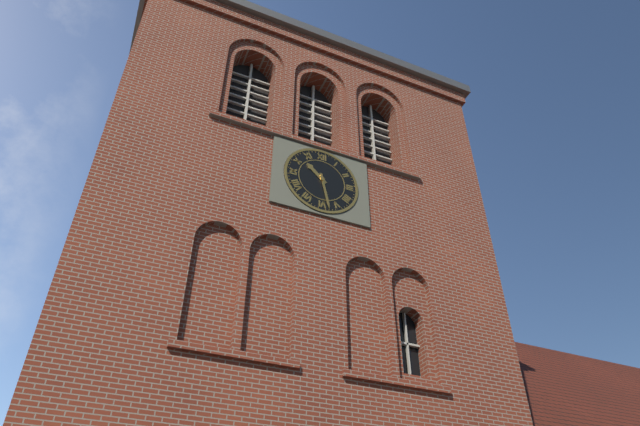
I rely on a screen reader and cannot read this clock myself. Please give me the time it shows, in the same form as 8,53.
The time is 10,28
